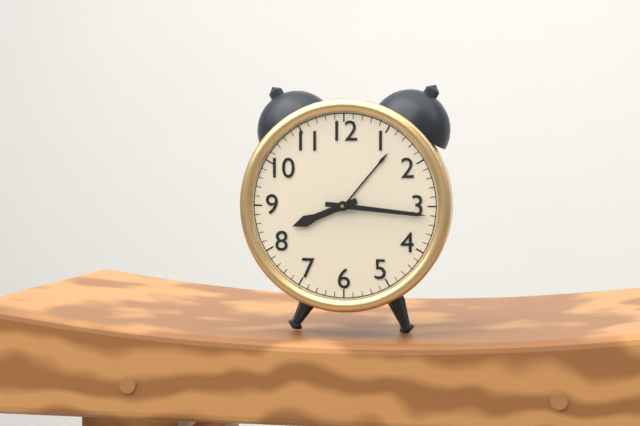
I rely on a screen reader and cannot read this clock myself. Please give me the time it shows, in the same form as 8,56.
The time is 8,16
